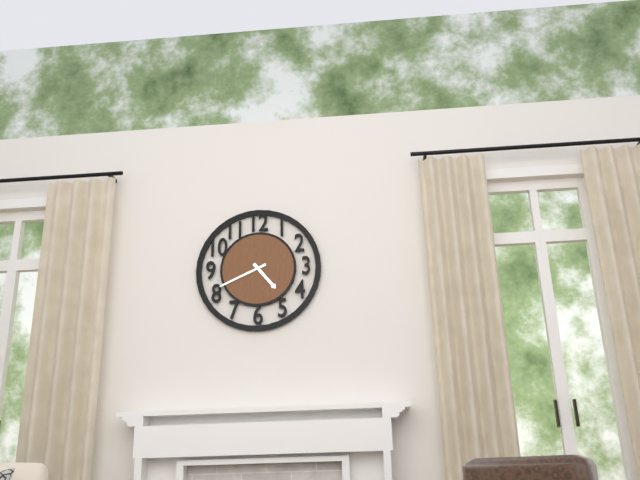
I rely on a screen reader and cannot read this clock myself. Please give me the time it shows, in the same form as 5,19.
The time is 4,41
